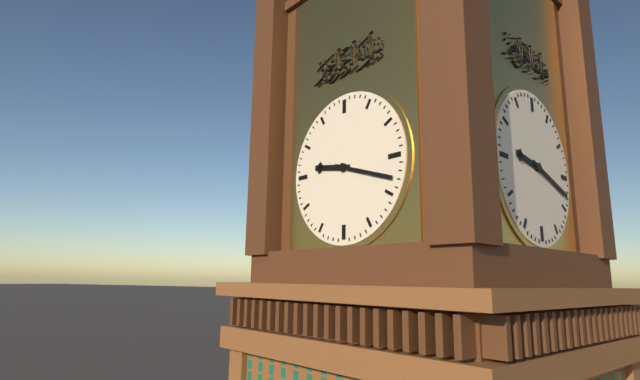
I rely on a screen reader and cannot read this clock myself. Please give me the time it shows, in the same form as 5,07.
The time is 9,18
